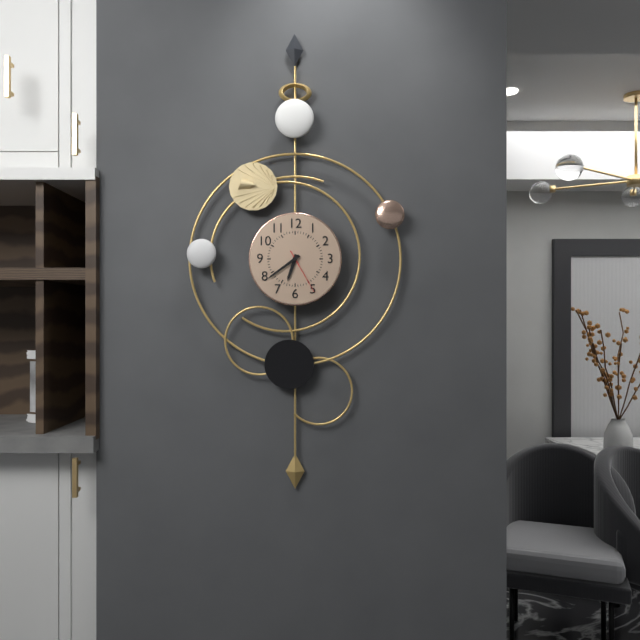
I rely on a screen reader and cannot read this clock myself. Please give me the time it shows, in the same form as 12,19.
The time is 6,39
